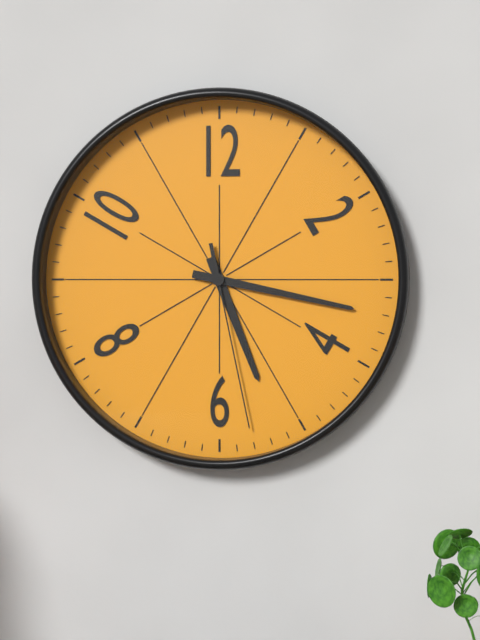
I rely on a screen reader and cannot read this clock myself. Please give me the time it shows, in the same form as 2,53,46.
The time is 5,17,28
